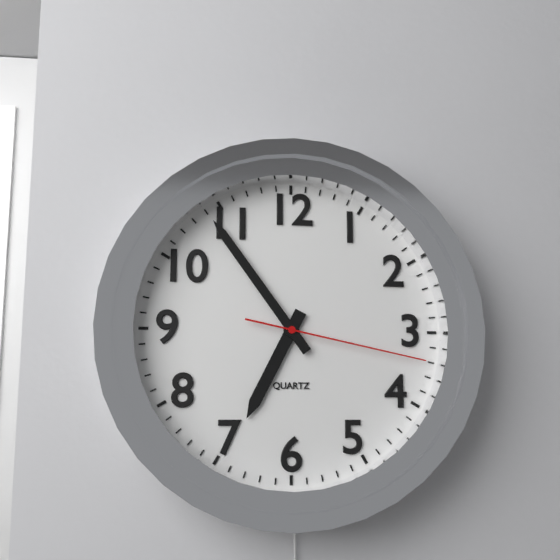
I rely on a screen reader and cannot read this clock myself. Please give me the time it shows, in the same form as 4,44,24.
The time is 6,54,17
